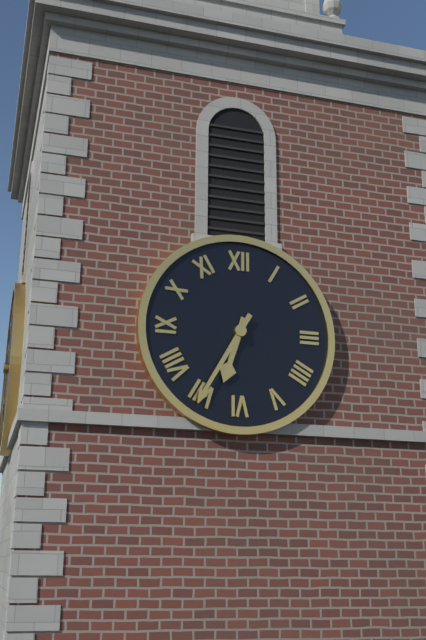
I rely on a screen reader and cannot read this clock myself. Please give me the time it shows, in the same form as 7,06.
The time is 6,35
